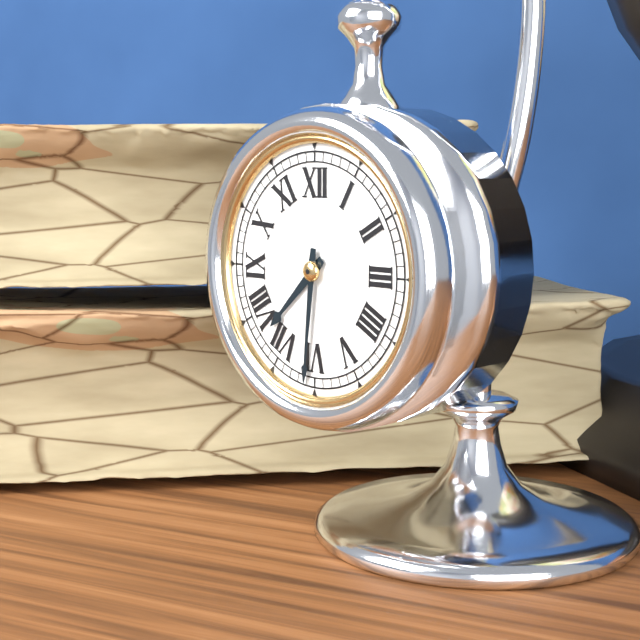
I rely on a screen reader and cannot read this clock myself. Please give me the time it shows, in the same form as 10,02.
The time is 7,31
